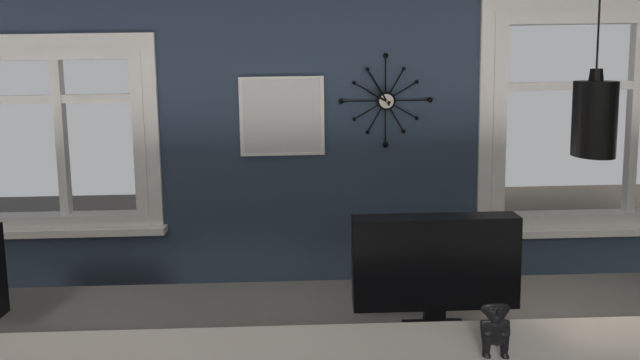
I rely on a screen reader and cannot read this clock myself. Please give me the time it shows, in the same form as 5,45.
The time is 9,55
